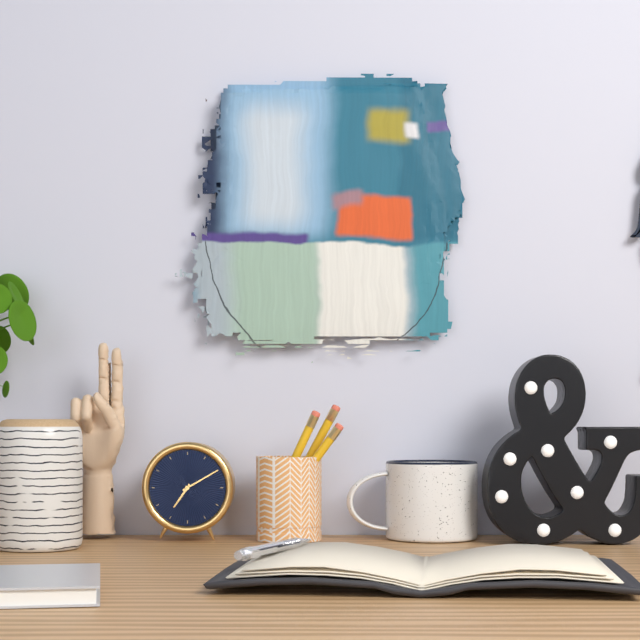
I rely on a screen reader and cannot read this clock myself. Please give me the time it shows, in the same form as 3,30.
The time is 7,10
